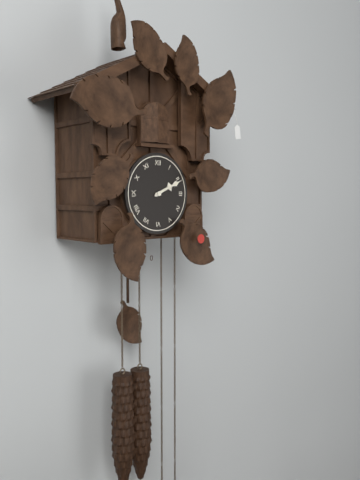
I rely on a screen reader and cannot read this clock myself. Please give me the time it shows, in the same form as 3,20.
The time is 2,11
